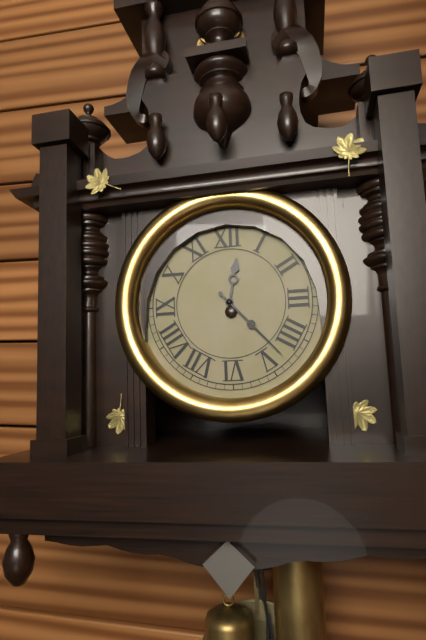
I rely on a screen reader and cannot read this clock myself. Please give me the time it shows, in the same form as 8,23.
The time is 12,23
